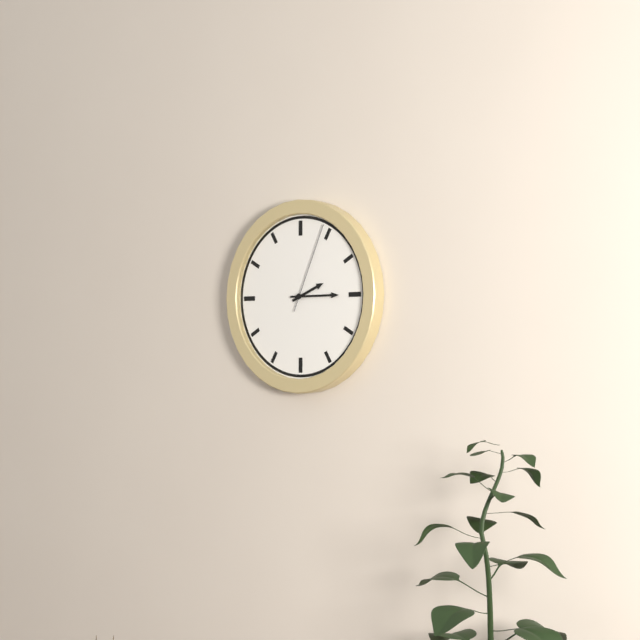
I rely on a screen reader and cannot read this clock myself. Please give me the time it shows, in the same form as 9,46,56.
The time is 2,15,04
